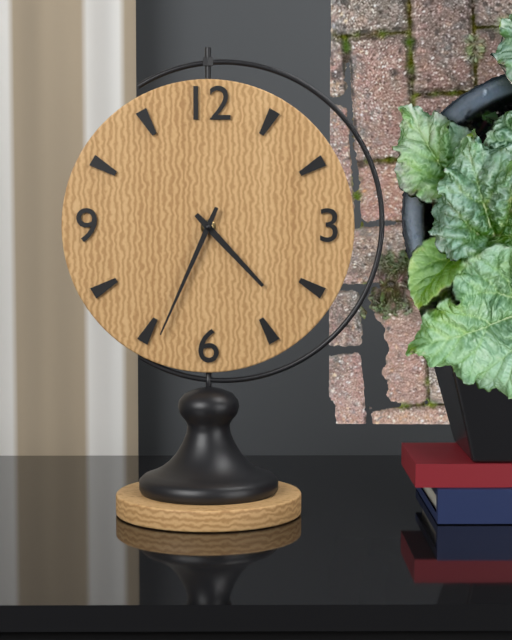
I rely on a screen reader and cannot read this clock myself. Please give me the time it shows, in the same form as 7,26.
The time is 4,34
